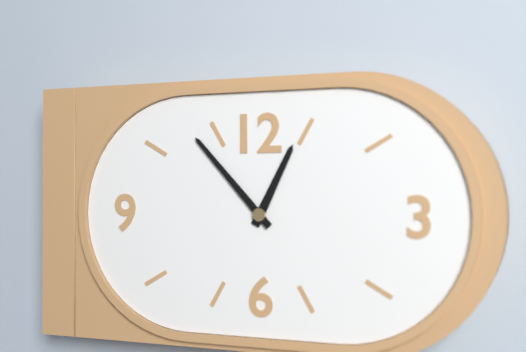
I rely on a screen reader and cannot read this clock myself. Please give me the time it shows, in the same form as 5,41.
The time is 12,53
